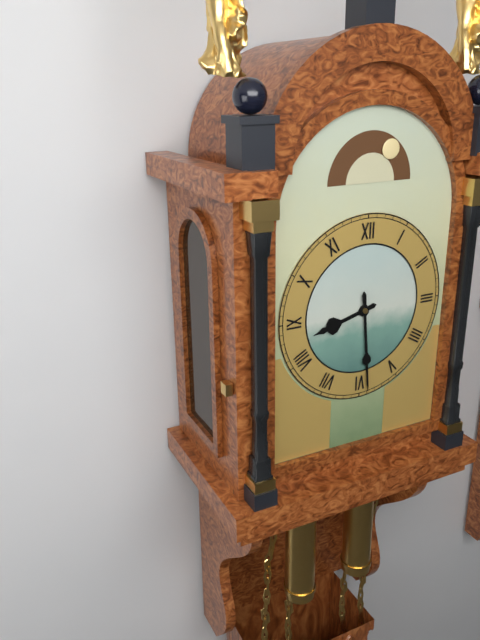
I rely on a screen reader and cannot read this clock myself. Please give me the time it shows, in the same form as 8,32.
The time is 8,29
